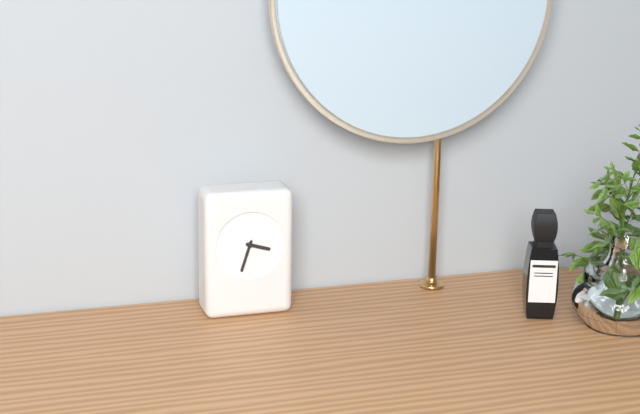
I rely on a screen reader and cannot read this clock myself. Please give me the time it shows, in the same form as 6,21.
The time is 3,33
